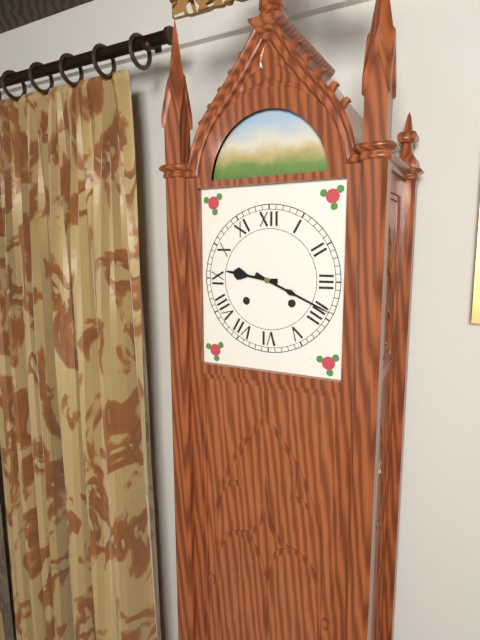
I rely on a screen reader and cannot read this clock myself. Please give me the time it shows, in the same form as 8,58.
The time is 9,19
